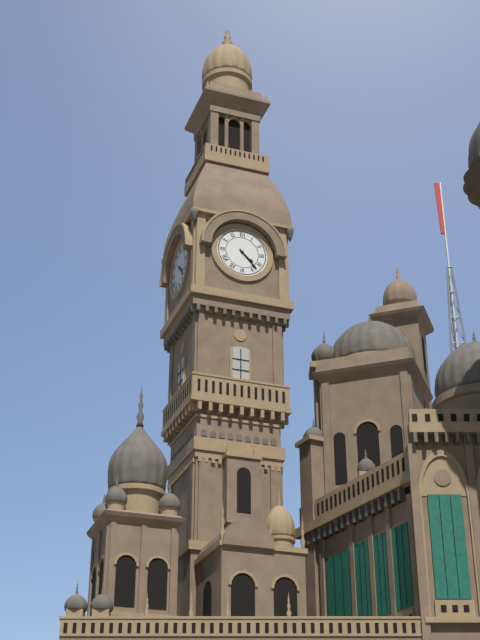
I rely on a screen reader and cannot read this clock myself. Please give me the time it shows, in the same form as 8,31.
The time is 4,23
